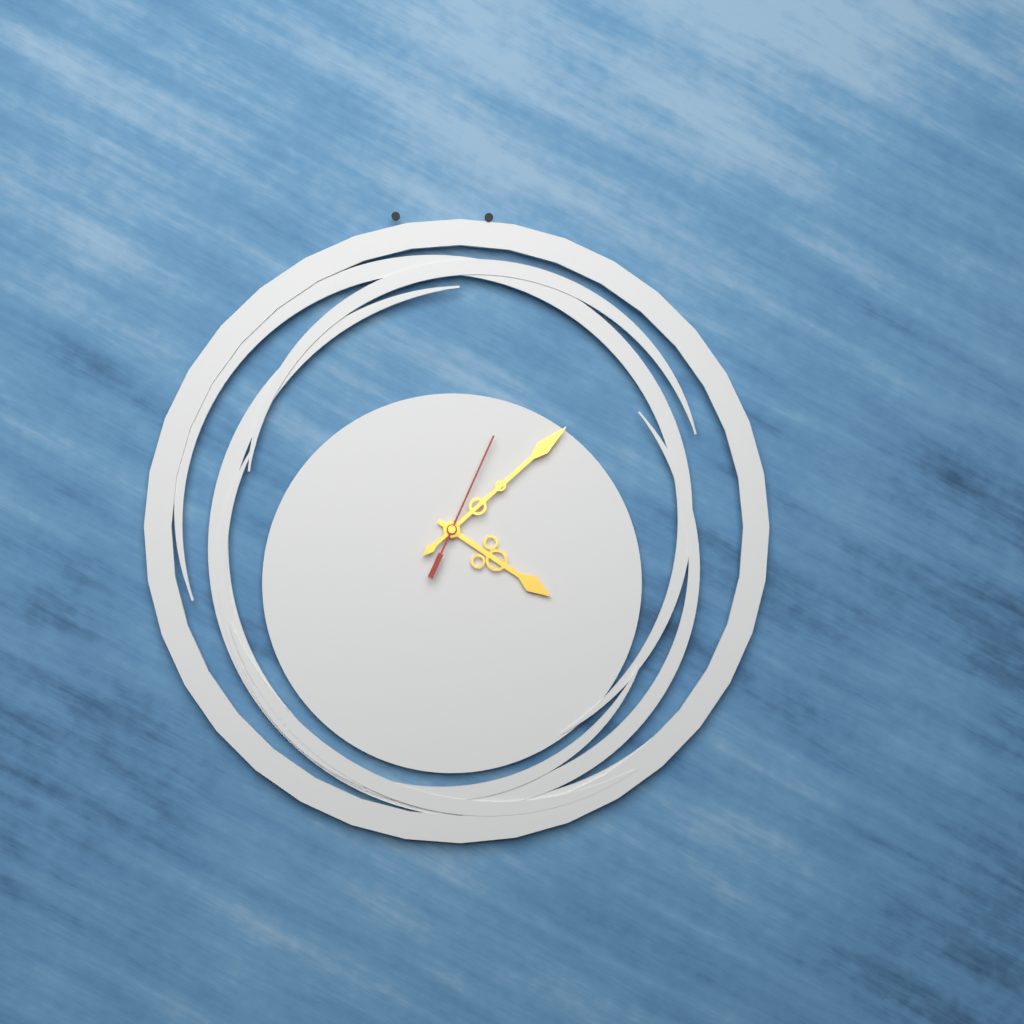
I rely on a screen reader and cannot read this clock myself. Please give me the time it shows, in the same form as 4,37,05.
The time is 4,08,04
